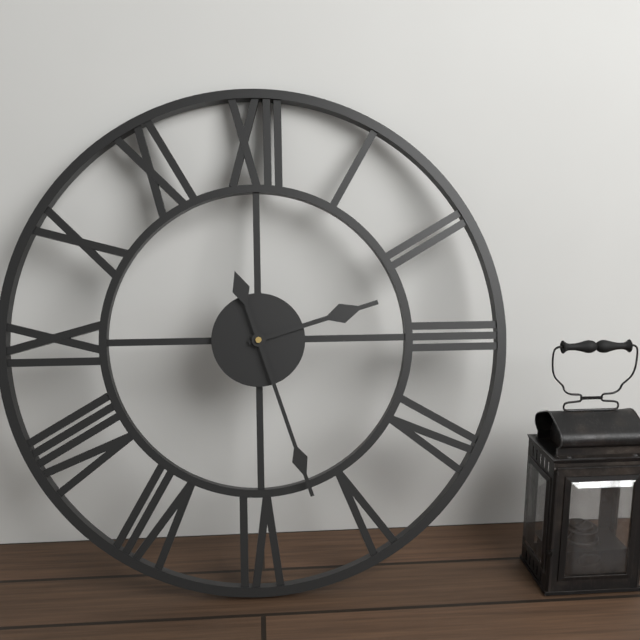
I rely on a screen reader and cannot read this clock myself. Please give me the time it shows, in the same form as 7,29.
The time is 2,27
